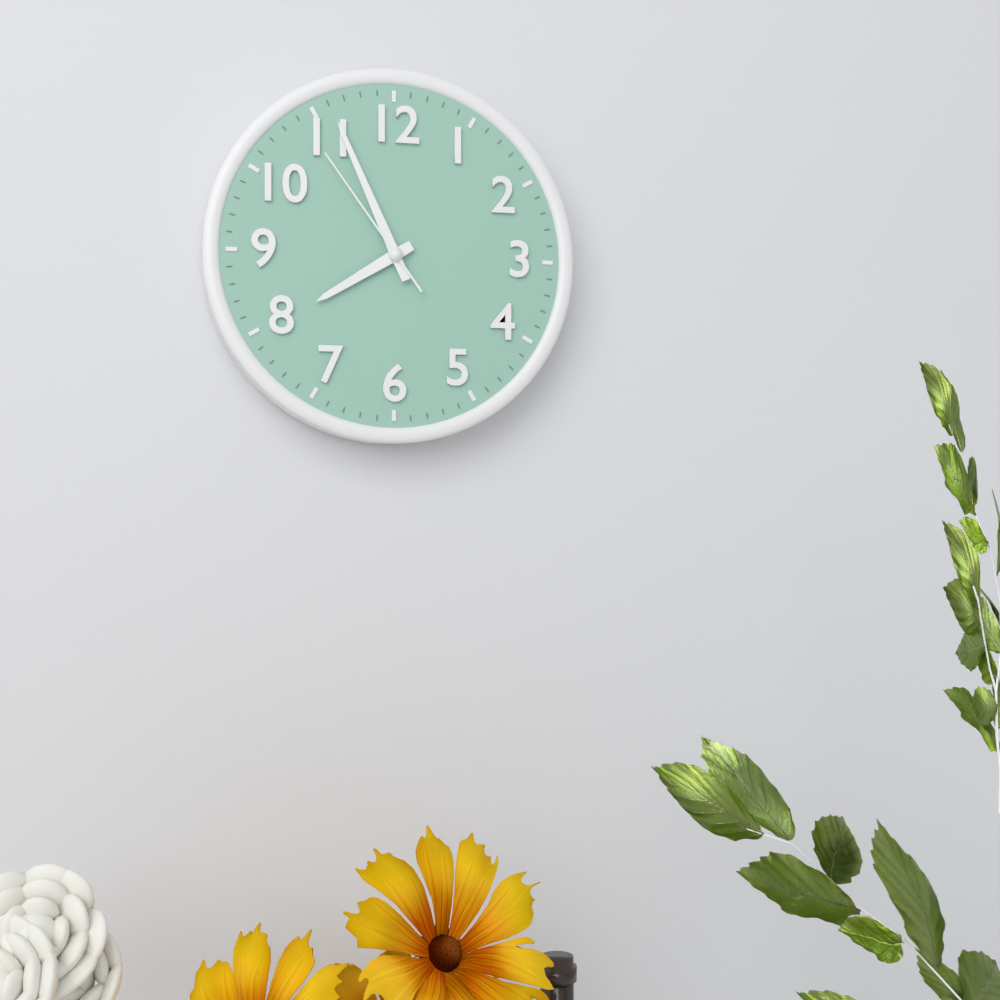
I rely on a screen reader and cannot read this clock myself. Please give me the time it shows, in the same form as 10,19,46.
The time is 7,56,54
